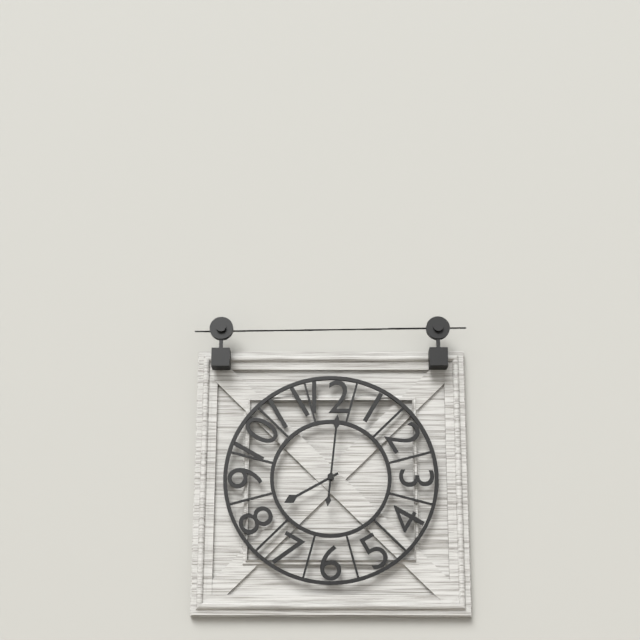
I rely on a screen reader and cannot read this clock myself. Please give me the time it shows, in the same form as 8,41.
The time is 8,01
